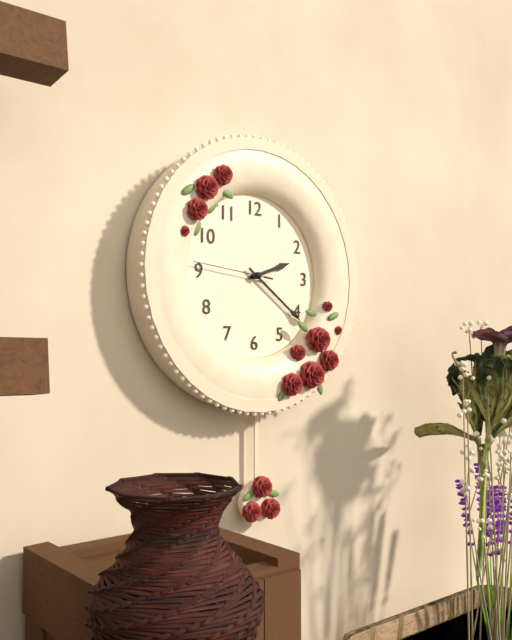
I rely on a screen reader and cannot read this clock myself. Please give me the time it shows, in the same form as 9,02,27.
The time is 2,21,46
